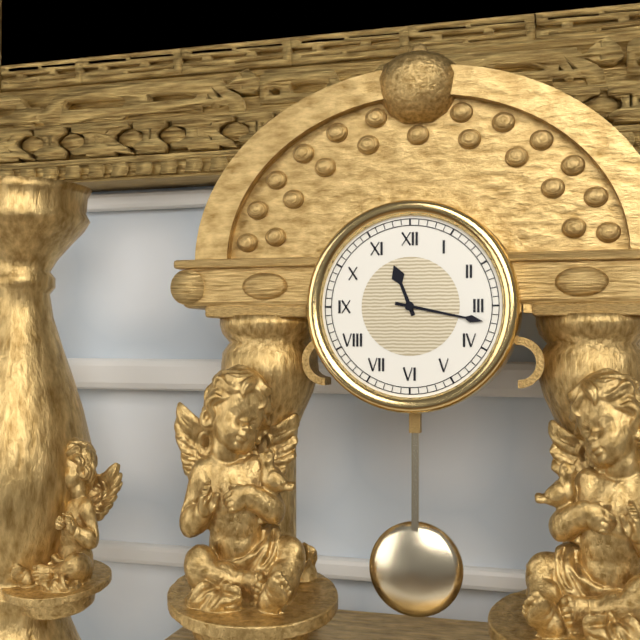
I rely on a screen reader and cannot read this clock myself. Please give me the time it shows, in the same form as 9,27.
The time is 11,17
